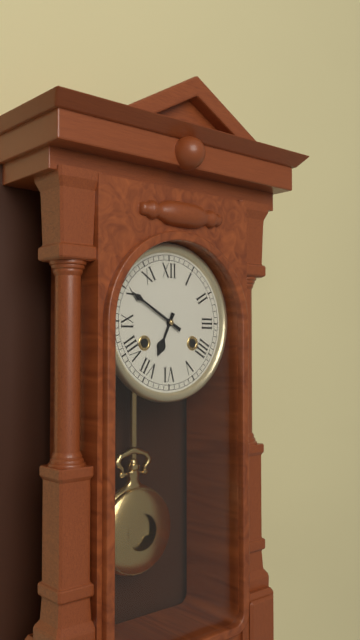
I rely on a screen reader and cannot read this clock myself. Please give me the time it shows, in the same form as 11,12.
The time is 6,50
